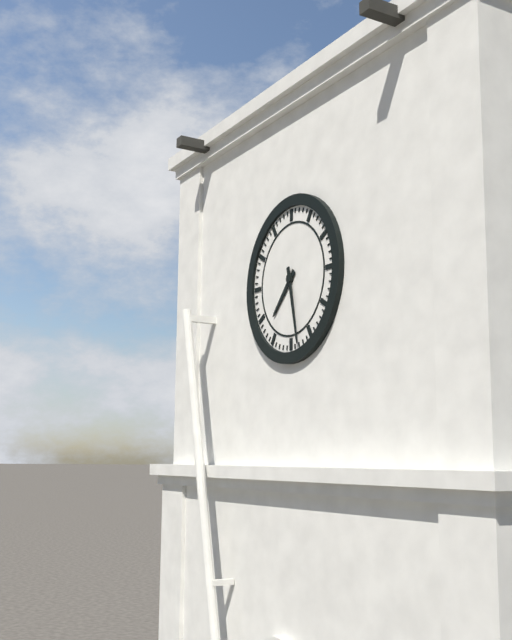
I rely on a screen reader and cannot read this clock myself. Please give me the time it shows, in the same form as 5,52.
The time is 7,28
